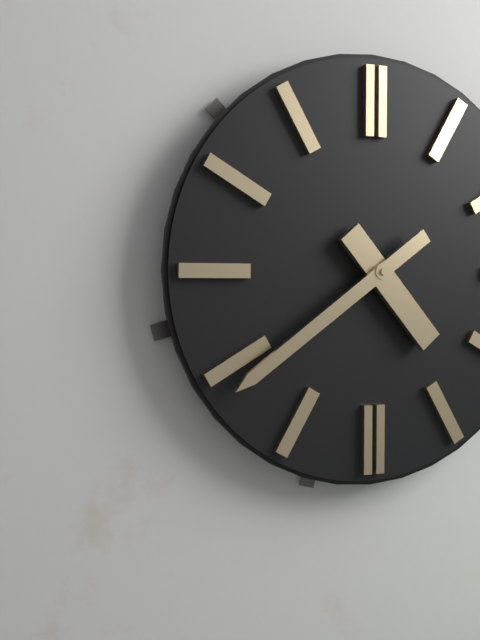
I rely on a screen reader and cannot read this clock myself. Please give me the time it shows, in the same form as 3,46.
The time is 4,39
